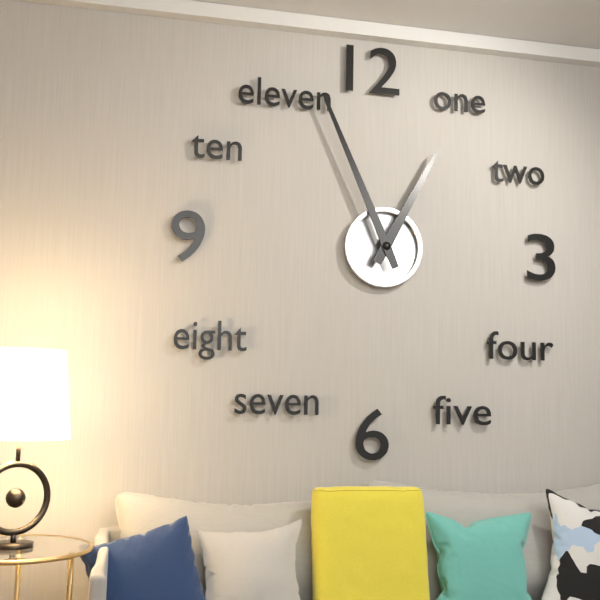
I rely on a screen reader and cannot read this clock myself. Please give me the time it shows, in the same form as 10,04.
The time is 12,56
